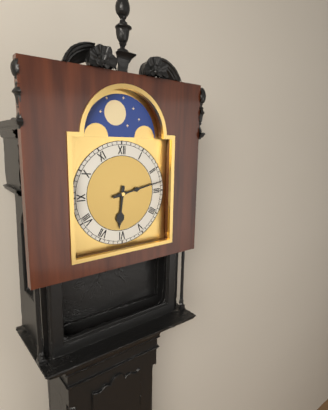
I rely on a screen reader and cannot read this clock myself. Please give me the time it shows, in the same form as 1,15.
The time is 6,13
